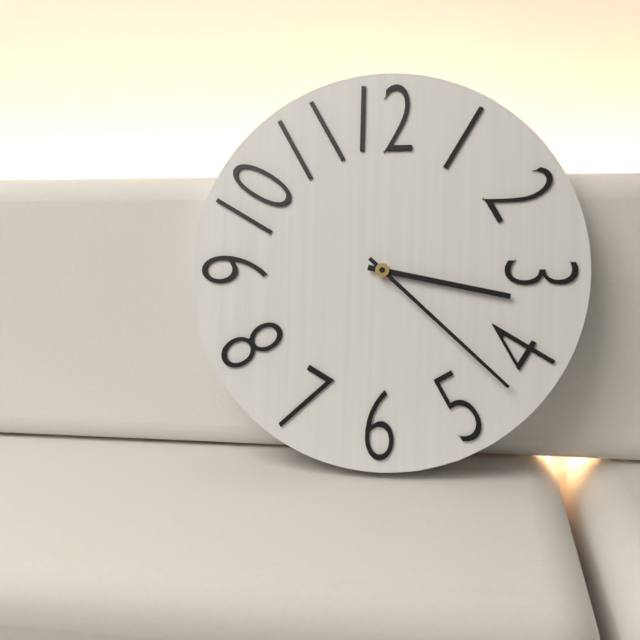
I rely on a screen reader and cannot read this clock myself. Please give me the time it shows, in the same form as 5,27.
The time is 3,22
